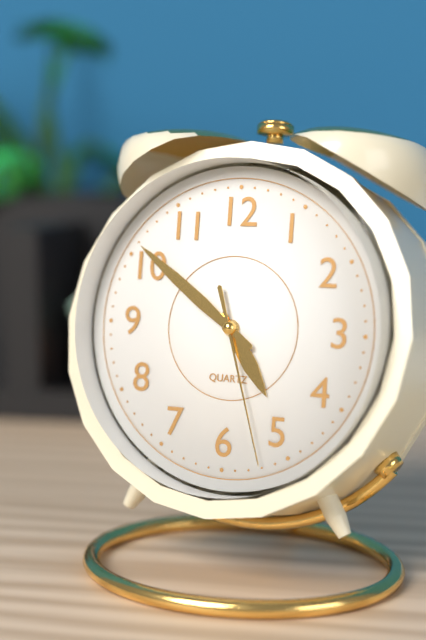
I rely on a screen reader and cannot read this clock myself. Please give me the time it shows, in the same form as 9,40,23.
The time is 4,51,27
